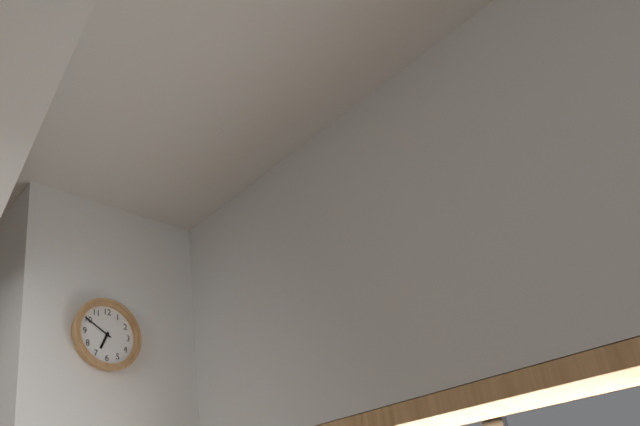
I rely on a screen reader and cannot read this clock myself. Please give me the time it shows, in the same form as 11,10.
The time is 6,50
